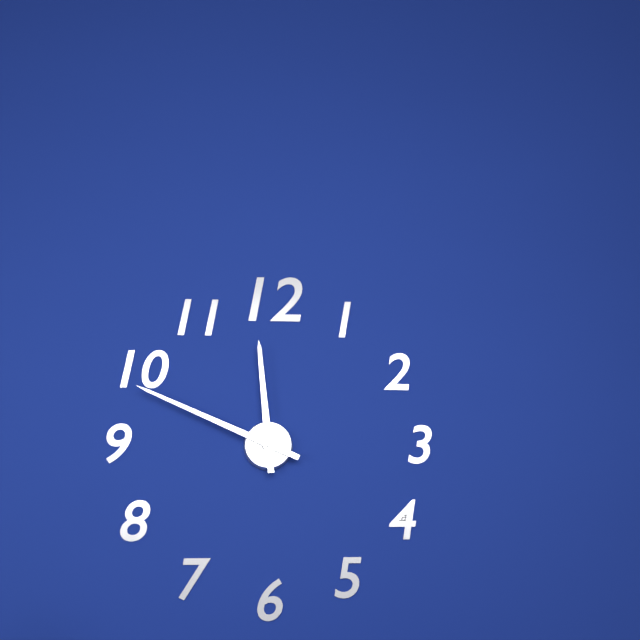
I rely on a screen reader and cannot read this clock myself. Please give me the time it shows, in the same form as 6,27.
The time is 11,49
